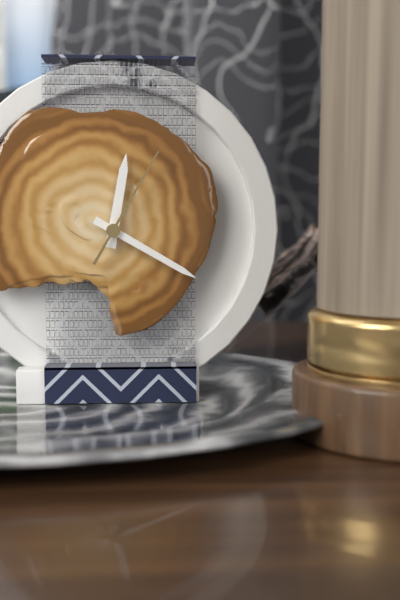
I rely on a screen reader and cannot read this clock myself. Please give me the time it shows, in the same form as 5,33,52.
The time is 12,20,05
